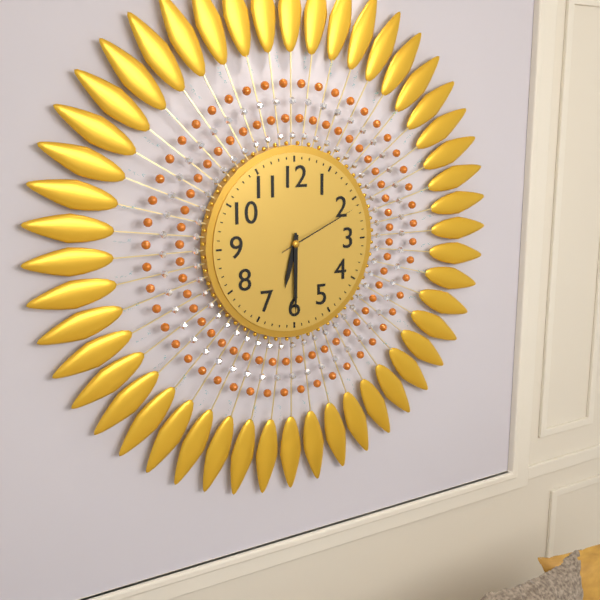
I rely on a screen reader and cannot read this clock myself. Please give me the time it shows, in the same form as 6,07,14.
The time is 6,30,11
